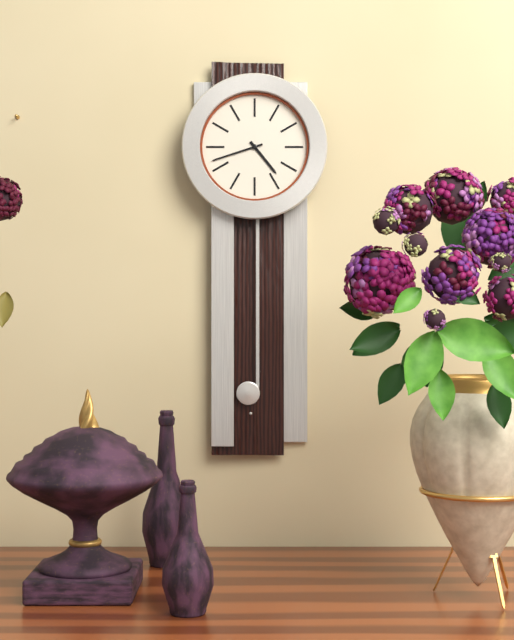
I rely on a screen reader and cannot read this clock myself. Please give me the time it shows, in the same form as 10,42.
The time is 4,42
